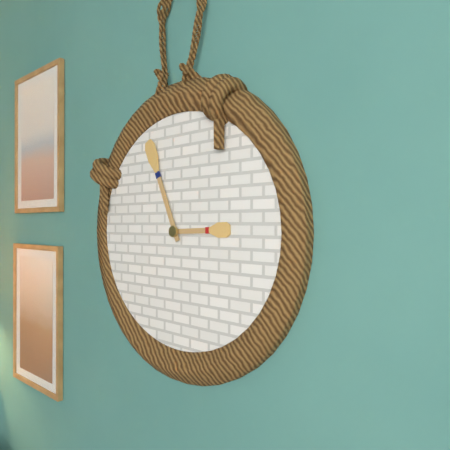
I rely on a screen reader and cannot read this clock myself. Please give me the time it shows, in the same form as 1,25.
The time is 2,56
